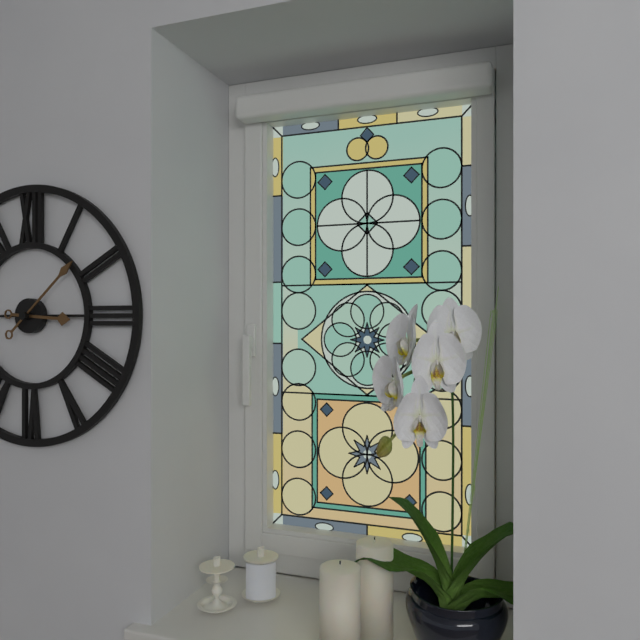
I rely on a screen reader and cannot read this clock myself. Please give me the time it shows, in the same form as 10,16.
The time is 3,08
